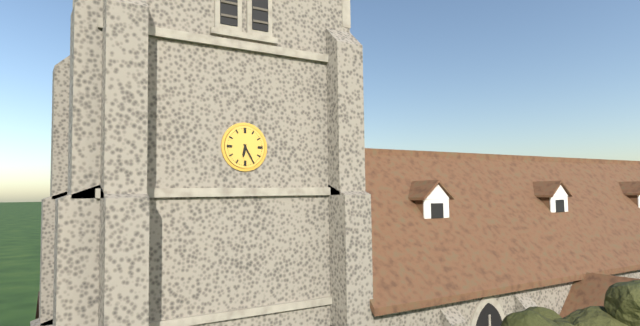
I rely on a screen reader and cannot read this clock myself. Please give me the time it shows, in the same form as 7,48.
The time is 6,25
